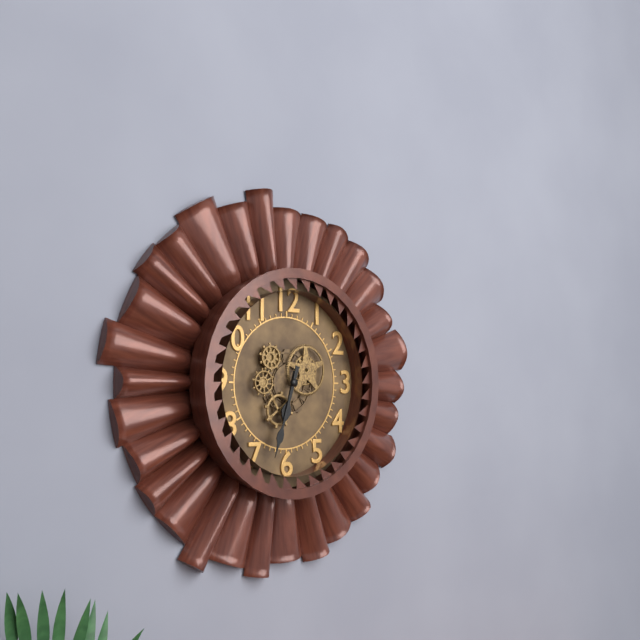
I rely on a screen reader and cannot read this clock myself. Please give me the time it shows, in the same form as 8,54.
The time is 6,33
